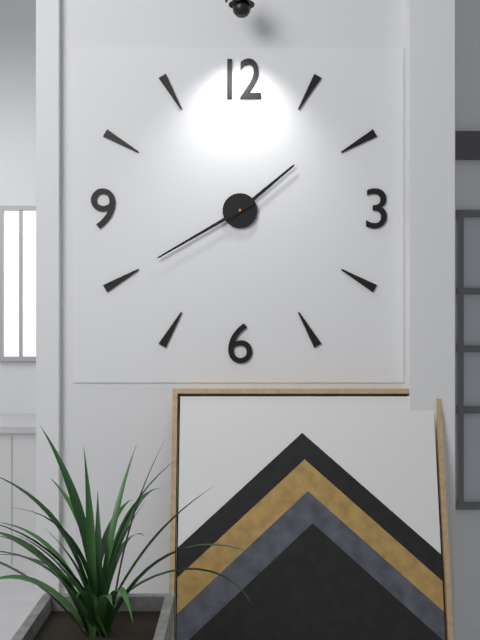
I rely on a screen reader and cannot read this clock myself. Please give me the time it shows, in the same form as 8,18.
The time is 1,40
